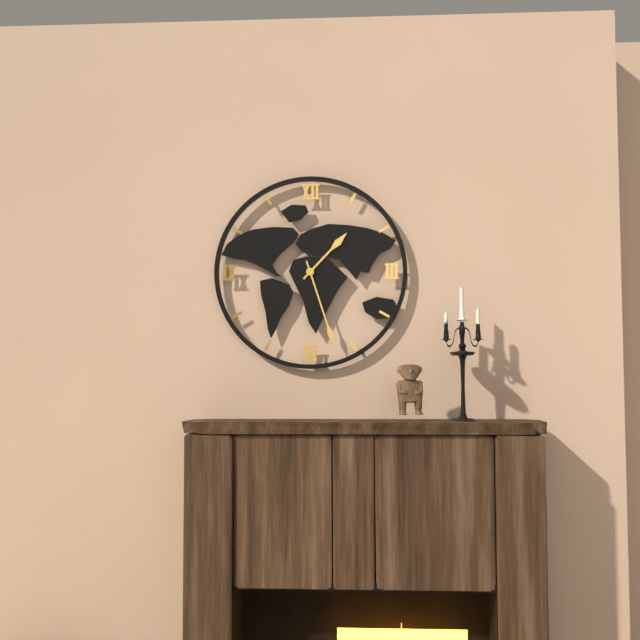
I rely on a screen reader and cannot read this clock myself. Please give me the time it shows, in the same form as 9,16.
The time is 1,27
